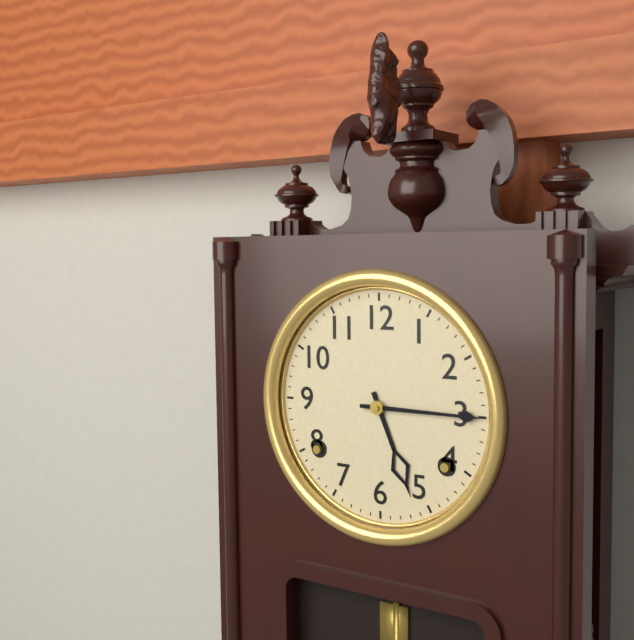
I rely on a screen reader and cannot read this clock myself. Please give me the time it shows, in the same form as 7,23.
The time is 5,15
